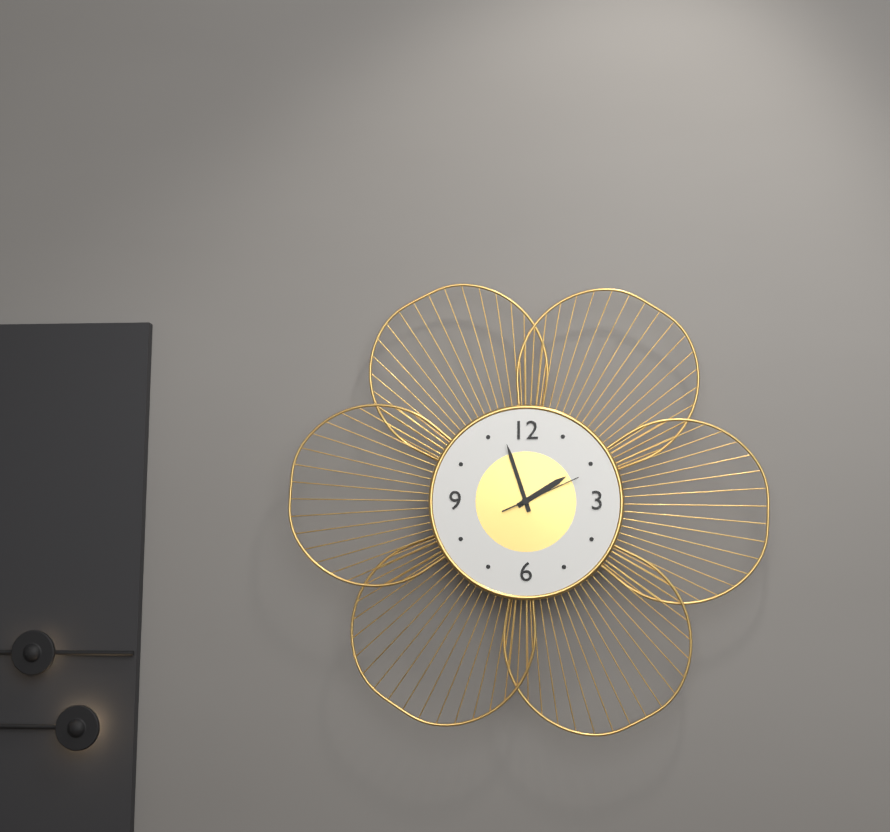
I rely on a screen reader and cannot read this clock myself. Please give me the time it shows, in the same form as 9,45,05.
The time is 1,57,11
